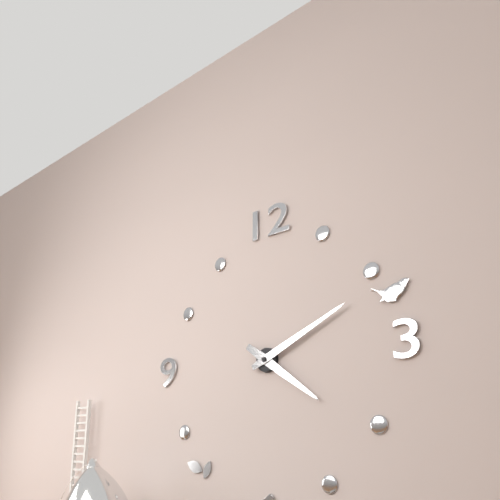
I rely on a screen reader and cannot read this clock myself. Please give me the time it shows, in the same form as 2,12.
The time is 4,11
